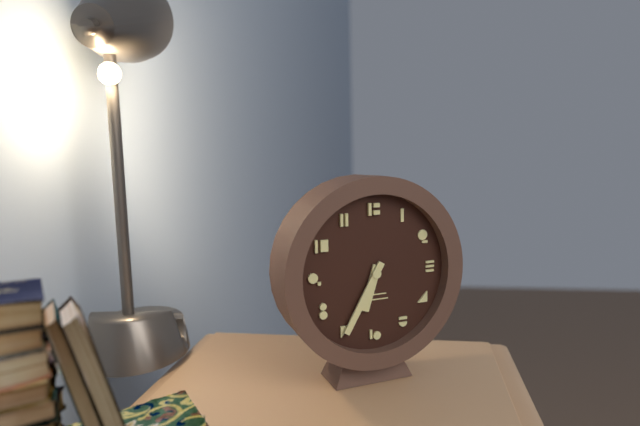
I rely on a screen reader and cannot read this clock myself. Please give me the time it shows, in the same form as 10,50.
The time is 6,35
